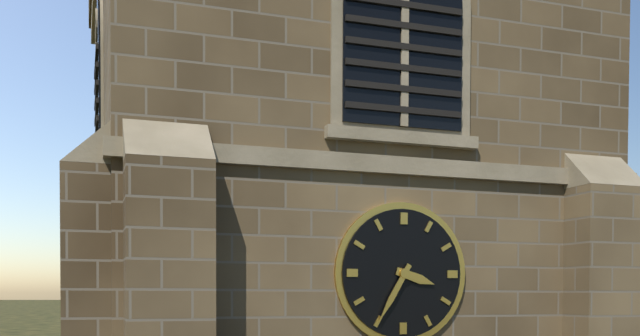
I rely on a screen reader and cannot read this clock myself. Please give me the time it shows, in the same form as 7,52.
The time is 3,35
